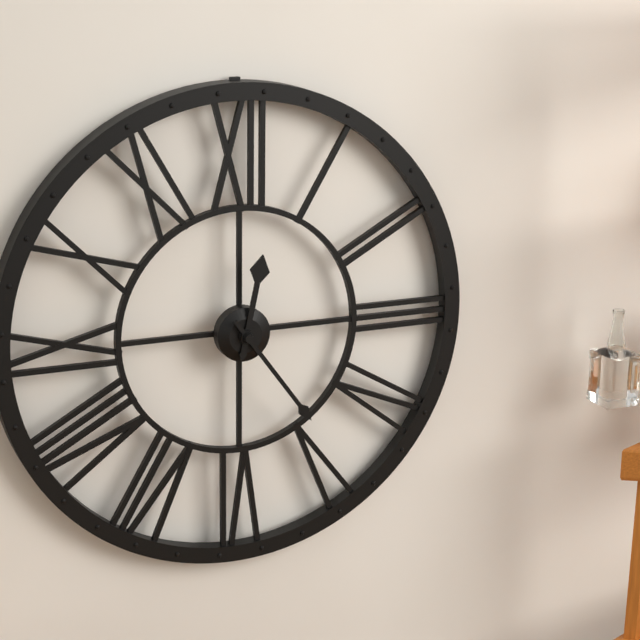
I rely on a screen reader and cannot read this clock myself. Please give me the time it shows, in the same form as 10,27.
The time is 12,24
